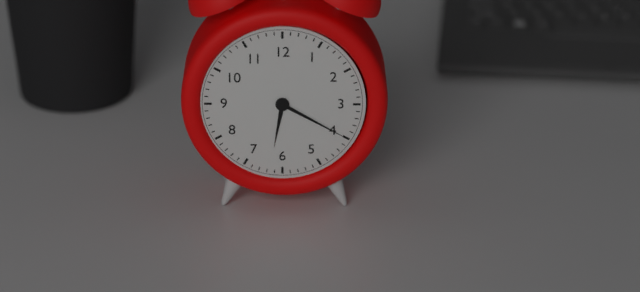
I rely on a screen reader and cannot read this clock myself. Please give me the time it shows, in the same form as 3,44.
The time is 6,20
